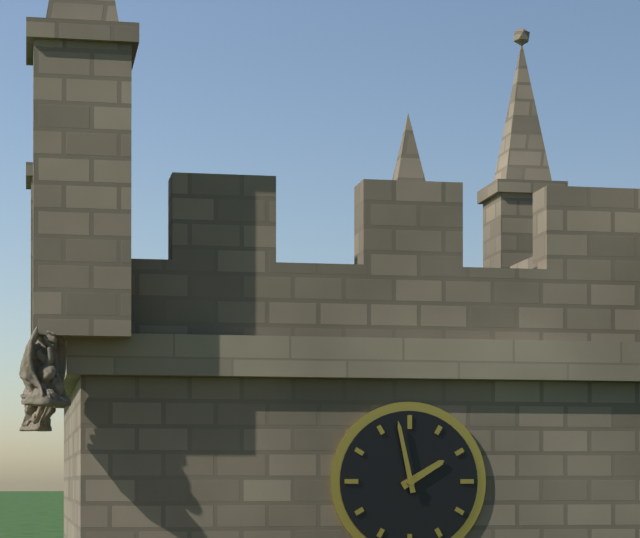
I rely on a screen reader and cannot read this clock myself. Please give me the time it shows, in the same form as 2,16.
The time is 1,58
